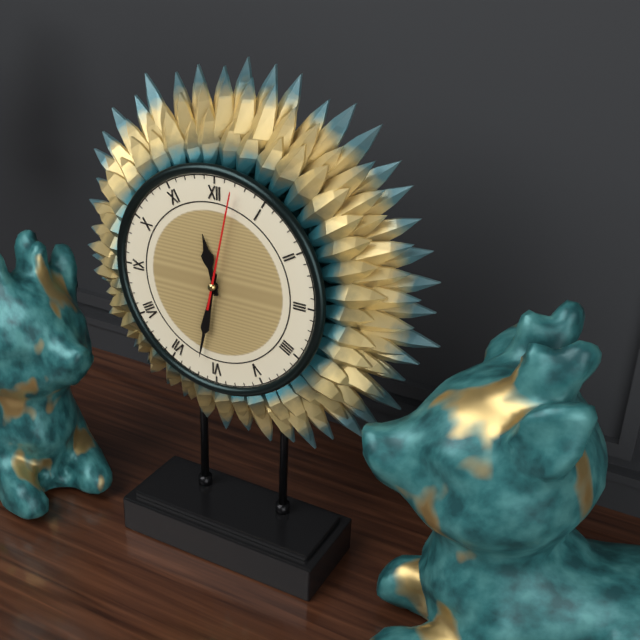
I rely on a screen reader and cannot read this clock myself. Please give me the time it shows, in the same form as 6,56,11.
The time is 11,32,02
